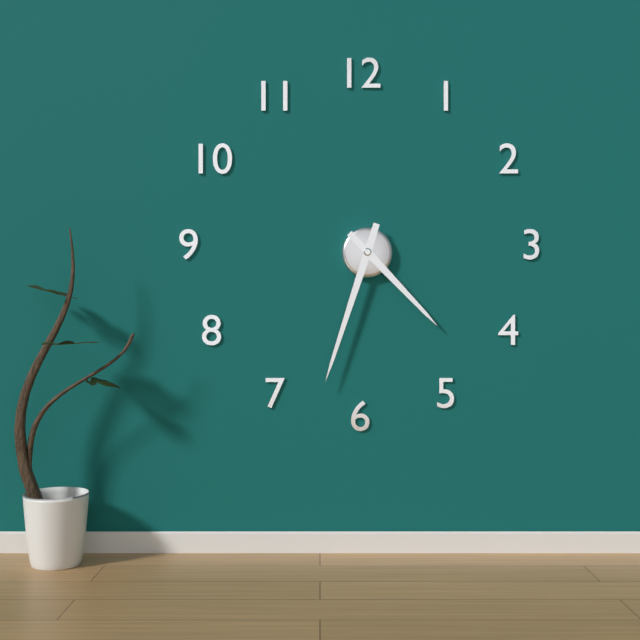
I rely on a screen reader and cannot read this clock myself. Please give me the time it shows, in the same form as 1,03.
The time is 4,33
